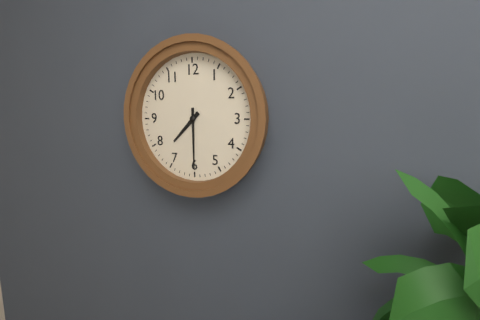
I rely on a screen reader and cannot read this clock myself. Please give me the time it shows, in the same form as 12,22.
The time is 7,30
